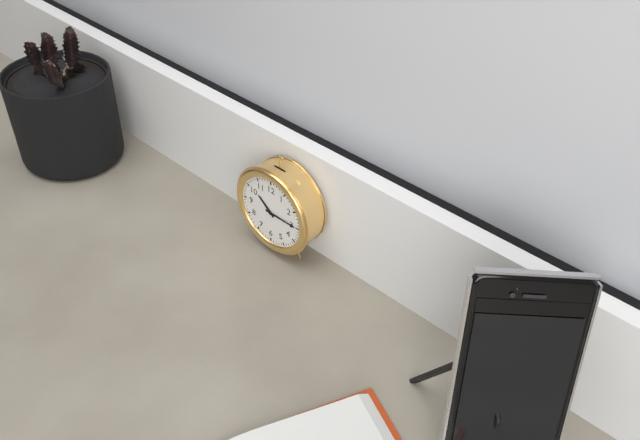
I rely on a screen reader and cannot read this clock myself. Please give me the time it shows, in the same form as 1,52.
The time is 10,15
